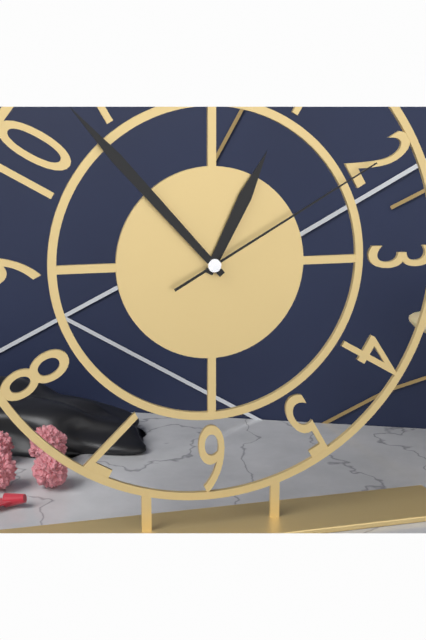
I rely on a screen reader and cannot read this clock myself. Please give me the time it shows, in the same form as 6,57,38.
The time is 12,53,10
